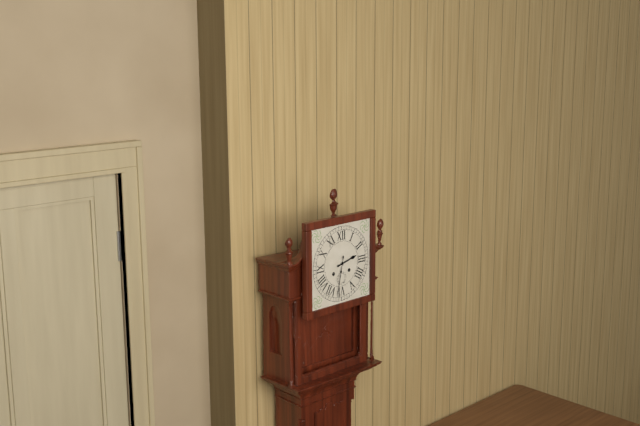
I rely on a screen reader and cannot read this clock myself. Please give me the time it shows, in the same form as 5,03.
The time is 2,32
